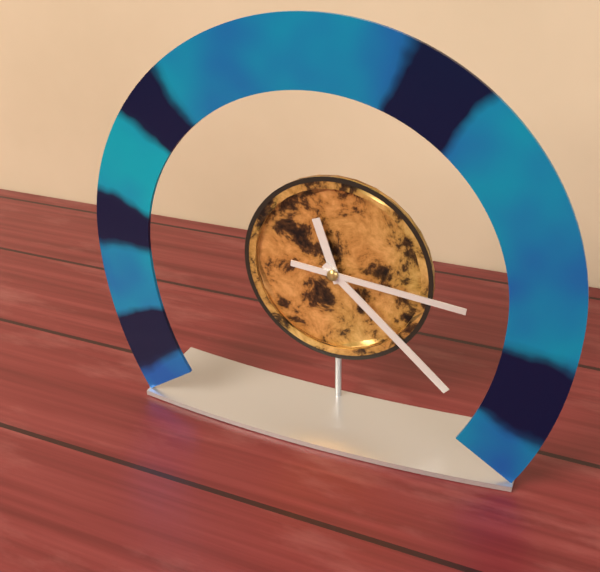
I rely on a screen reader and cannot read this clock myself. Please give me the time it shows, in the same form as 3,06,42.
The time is 11,22,16
